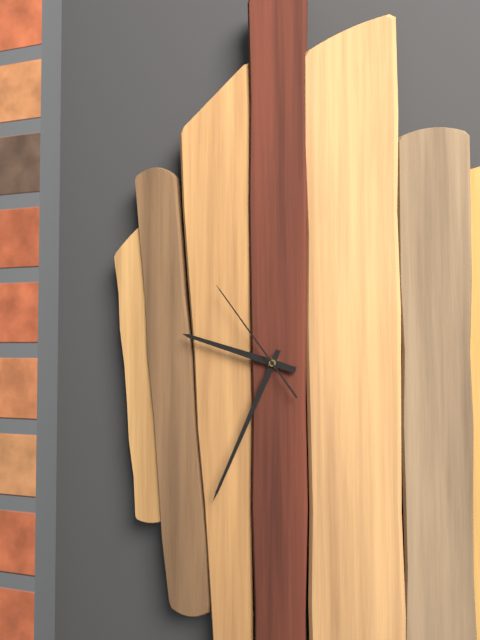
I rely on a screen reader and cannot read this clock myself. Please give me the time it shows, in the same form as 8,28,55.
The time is 9,34,54
